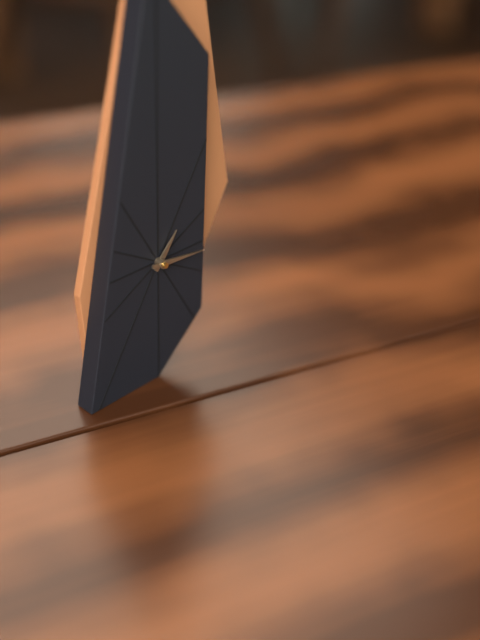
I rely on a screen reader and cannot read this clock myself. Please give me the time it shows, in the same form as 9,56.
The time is 1,16
